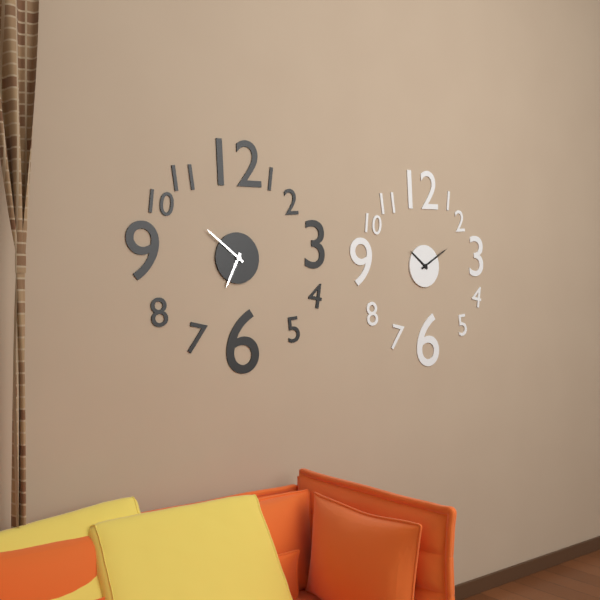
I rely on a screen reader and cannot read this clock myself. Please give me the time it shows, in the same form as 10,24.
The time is 6,51
